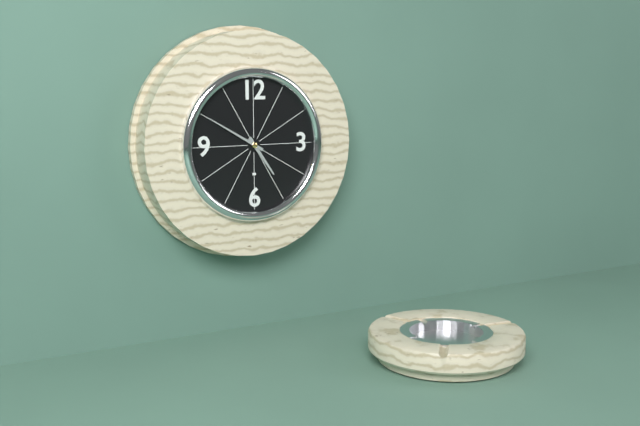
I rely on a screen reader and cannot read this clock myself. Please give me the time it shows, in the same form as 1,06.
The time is 4,50
